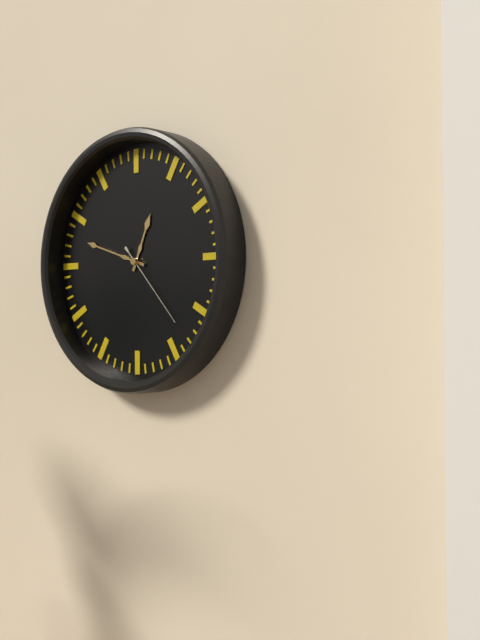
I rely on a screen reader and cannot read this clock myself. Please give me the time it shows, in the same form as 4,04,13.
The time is 12,48,23
